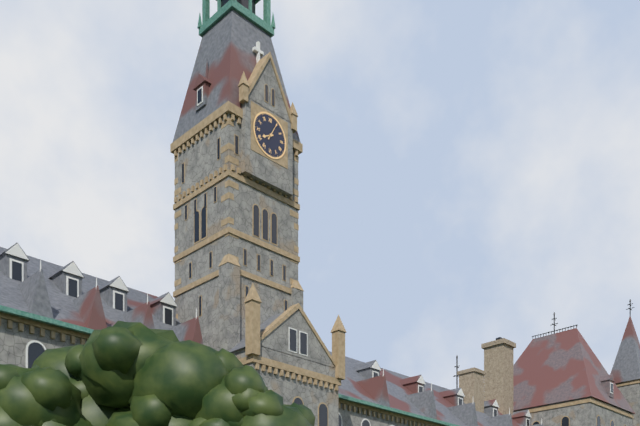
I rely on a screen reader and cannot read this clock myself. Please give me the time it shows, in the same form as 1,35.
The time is 8,05
